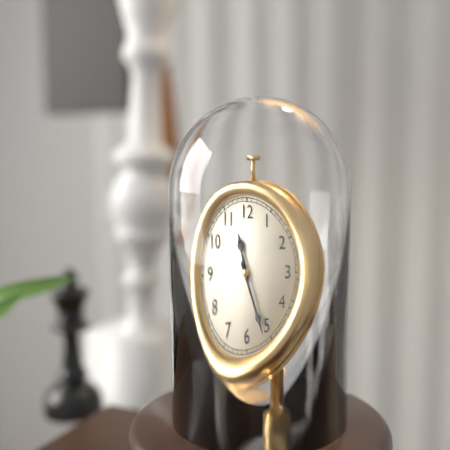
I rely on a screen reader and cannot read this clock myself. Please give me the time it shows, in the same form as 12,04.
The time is 11,26
